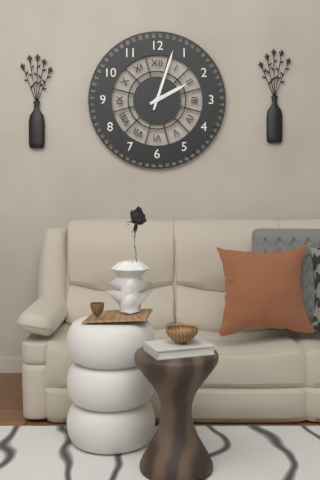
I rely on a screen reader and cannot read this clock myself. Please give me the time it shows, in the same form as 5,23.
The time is 2,03
